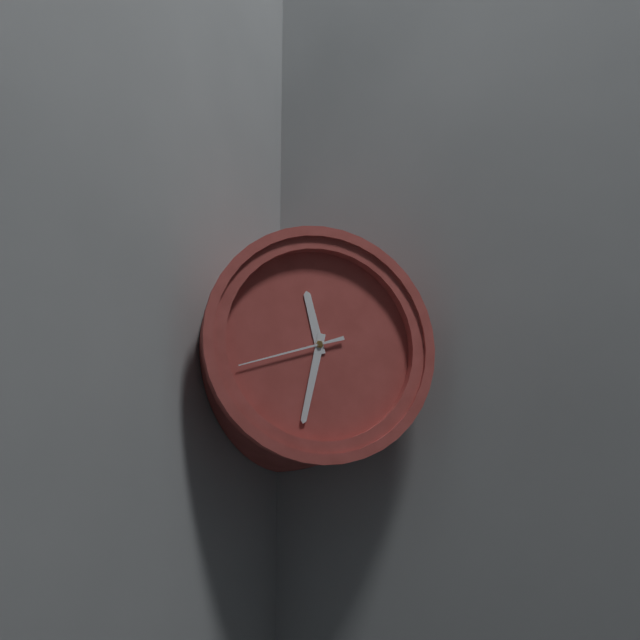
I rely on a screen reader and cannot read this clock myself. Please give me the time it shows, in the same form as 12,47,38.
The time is 11,32,42
